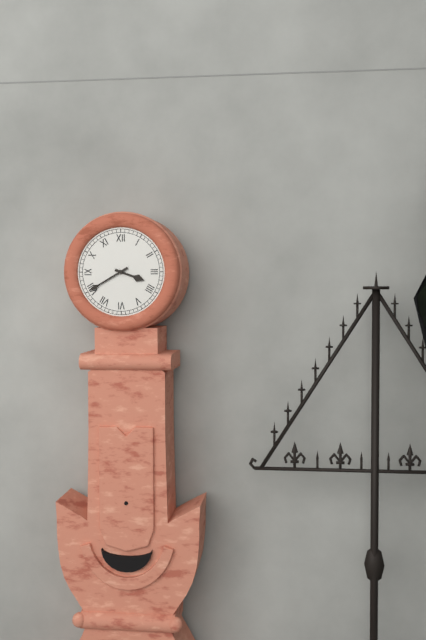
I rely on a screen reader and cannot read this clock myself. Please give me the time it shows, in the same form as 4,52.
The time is 3,40
